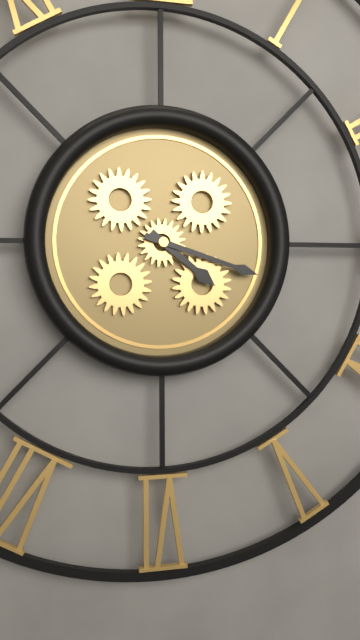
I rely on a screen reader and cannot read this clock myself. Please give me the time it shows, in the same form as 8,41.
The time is 4,18
